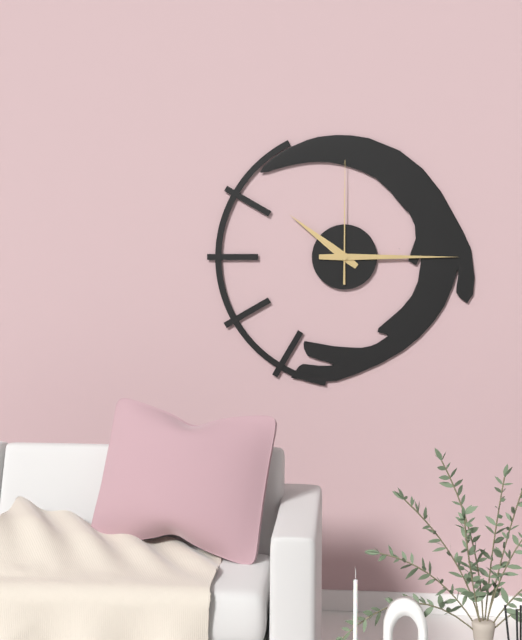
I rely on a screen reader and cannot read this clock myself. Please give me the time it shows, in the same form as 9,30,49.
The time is 10,15,00
